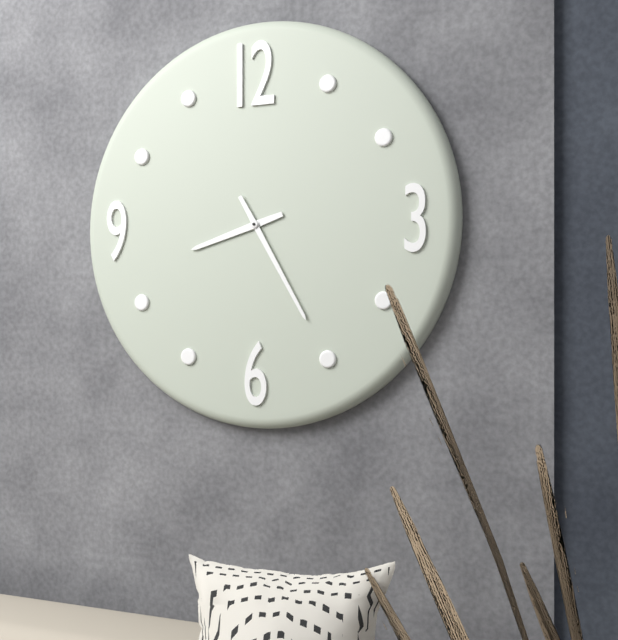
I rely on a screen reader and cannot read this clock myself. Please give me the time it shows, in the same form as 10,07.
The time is 8,25
